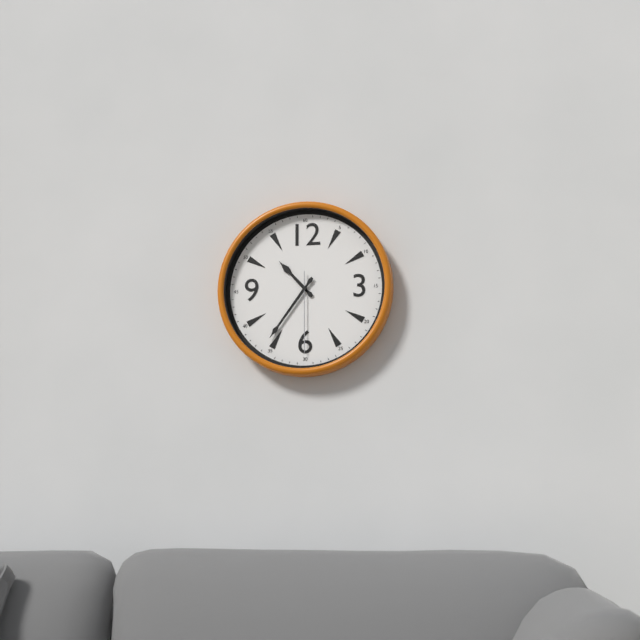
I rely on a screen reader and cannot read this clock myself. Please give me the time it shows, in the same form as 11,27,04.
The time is 10,36,30
